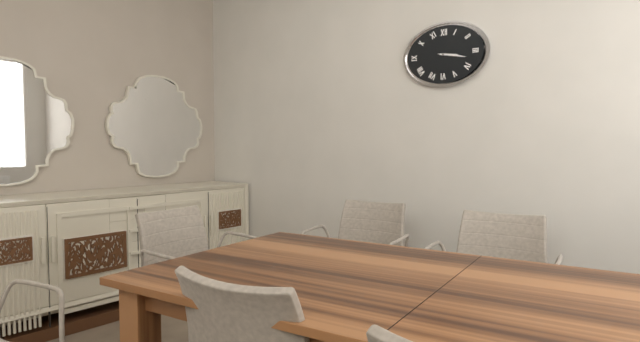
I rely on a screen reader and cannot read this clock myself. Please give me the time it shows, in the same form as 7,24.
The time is 3,17
